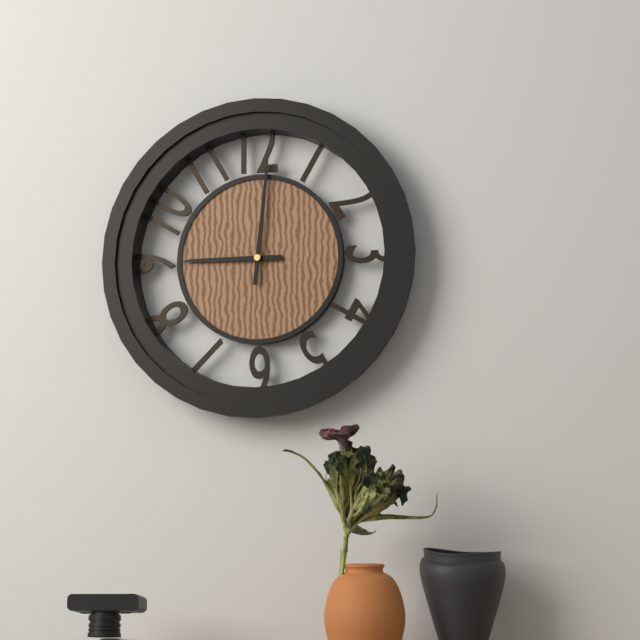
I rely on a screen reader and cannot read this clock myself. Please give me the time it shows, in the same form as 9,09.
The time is 9,01
